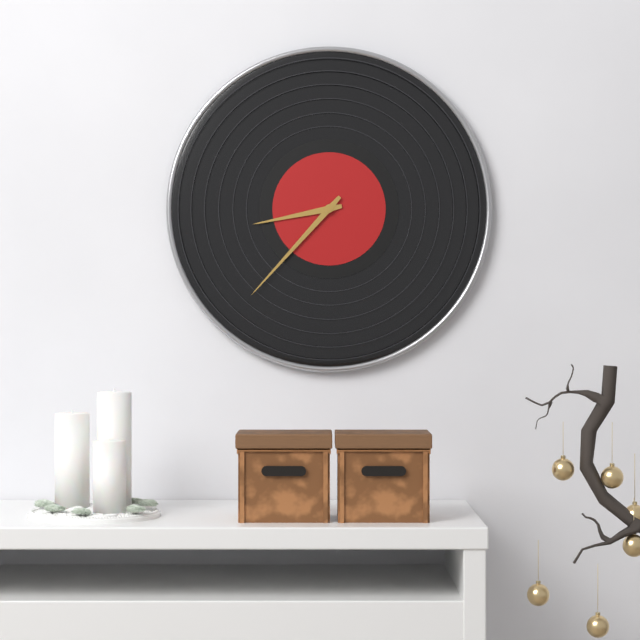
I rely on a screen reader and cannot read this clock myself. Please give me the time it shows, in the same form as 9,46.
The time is 8,37
